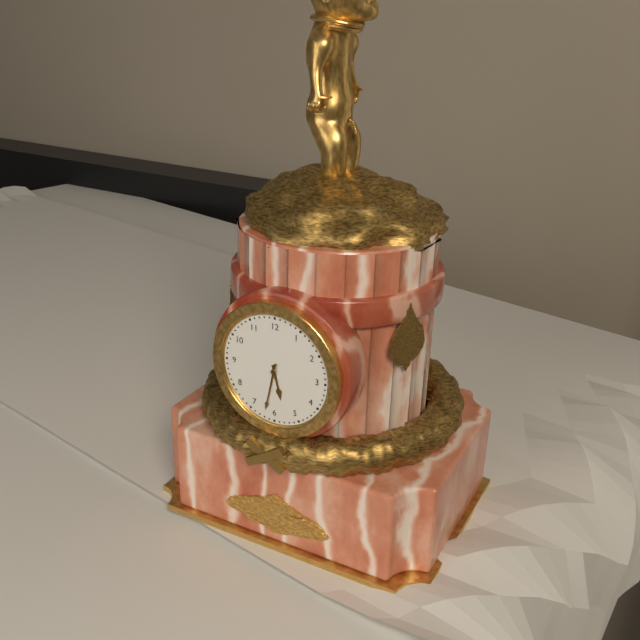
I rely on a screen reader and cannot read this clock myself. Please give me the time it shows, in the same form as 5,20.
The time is 5,32
